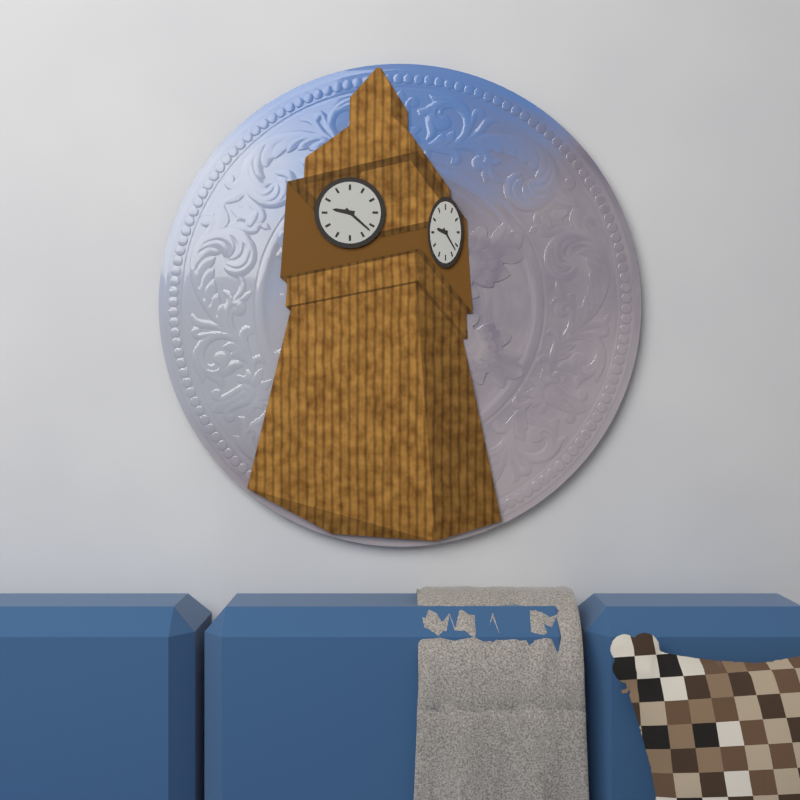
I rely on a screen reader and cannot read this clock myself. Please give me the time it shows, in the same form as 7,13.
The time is 9,22
